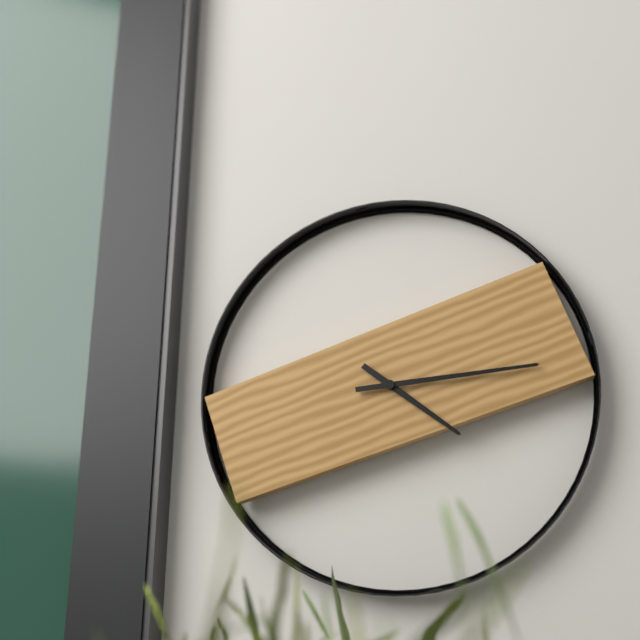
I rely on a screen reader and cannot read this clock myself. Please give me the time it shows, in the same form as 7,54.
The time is 4,14
